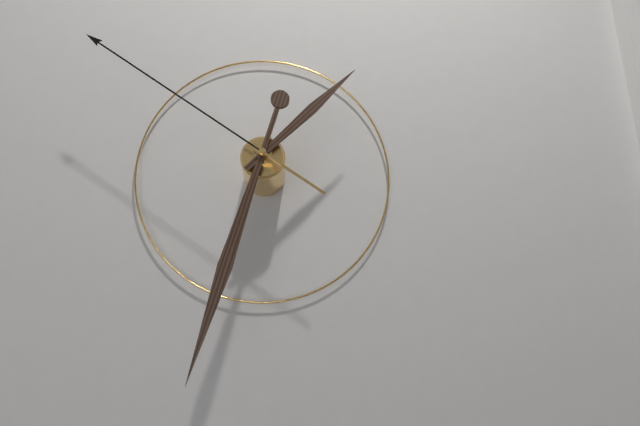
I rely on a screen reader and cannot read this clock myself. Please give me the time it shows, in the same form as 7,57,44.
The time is 1,33,51
